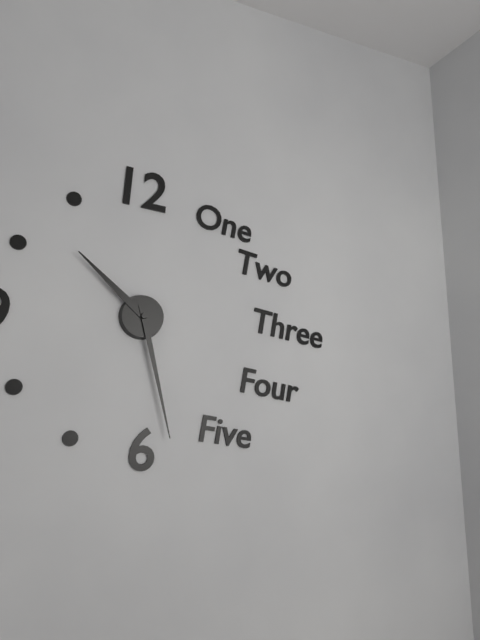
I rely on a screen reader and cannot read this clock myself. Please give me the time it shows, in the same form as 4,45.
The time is 10,28
